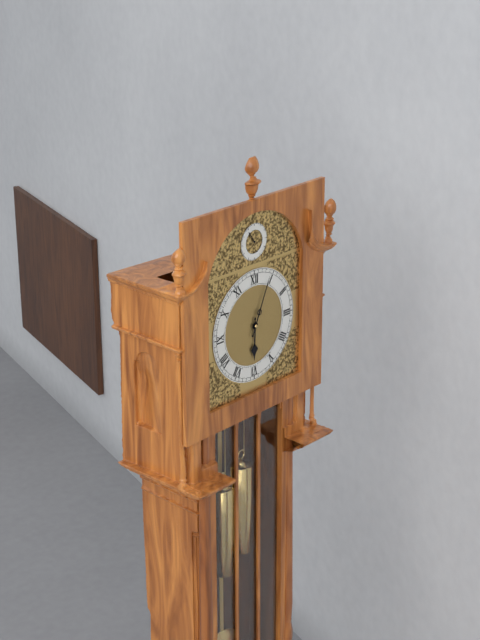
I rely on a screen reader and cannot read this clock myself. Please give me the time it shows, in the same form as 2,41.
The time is 6,04
